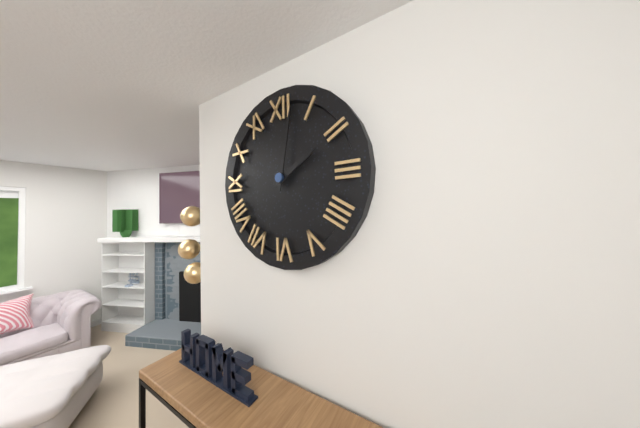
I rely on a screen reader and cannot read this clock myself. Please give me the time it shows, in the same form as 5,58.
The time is 2,02
